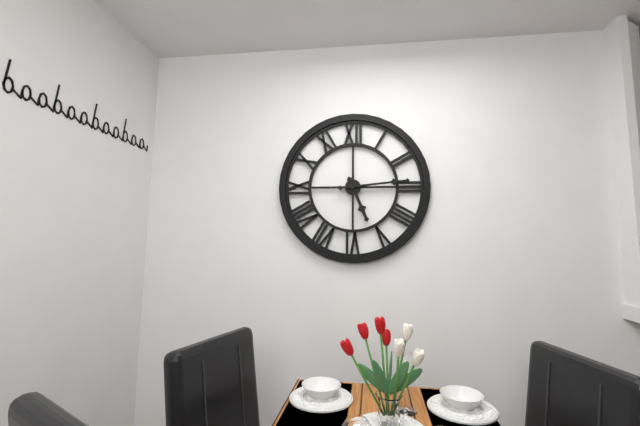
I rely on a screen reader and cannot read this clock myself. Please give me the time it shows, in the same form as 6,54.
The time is 5,14
